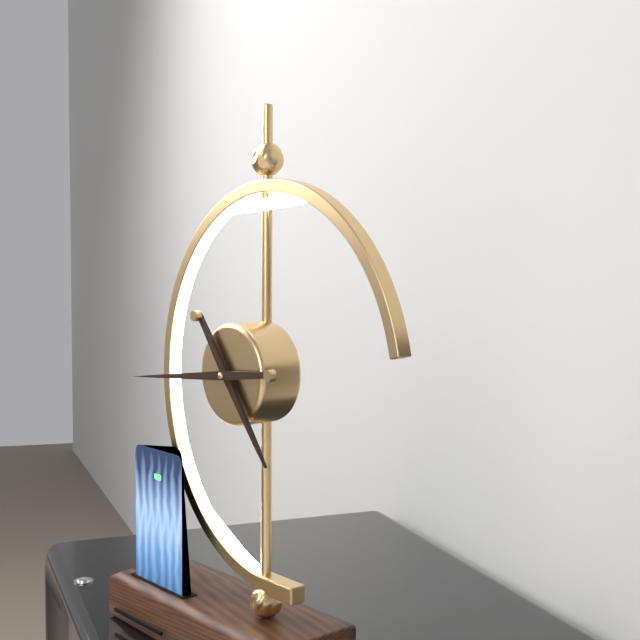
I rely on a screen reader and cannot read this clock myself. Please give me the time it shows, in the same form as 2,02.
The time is 4,44
